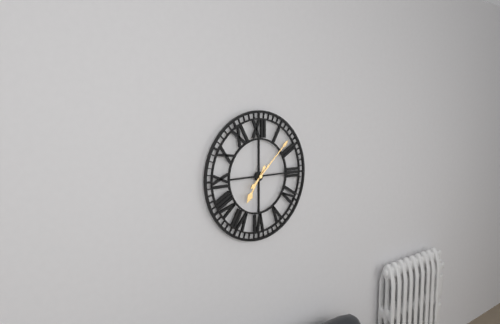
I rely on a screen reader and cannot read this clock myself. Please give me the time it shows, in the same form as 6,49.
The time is 7,08
